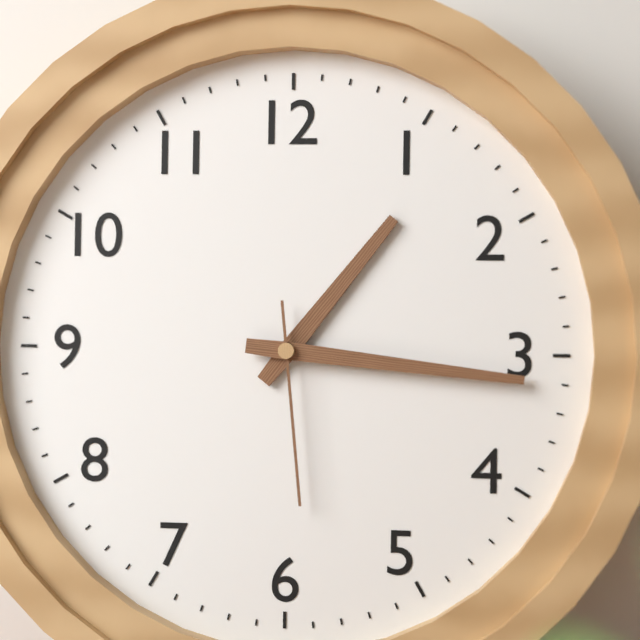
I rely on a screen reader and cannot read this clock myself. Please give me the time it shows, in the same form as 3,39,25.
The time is 1,16,29
